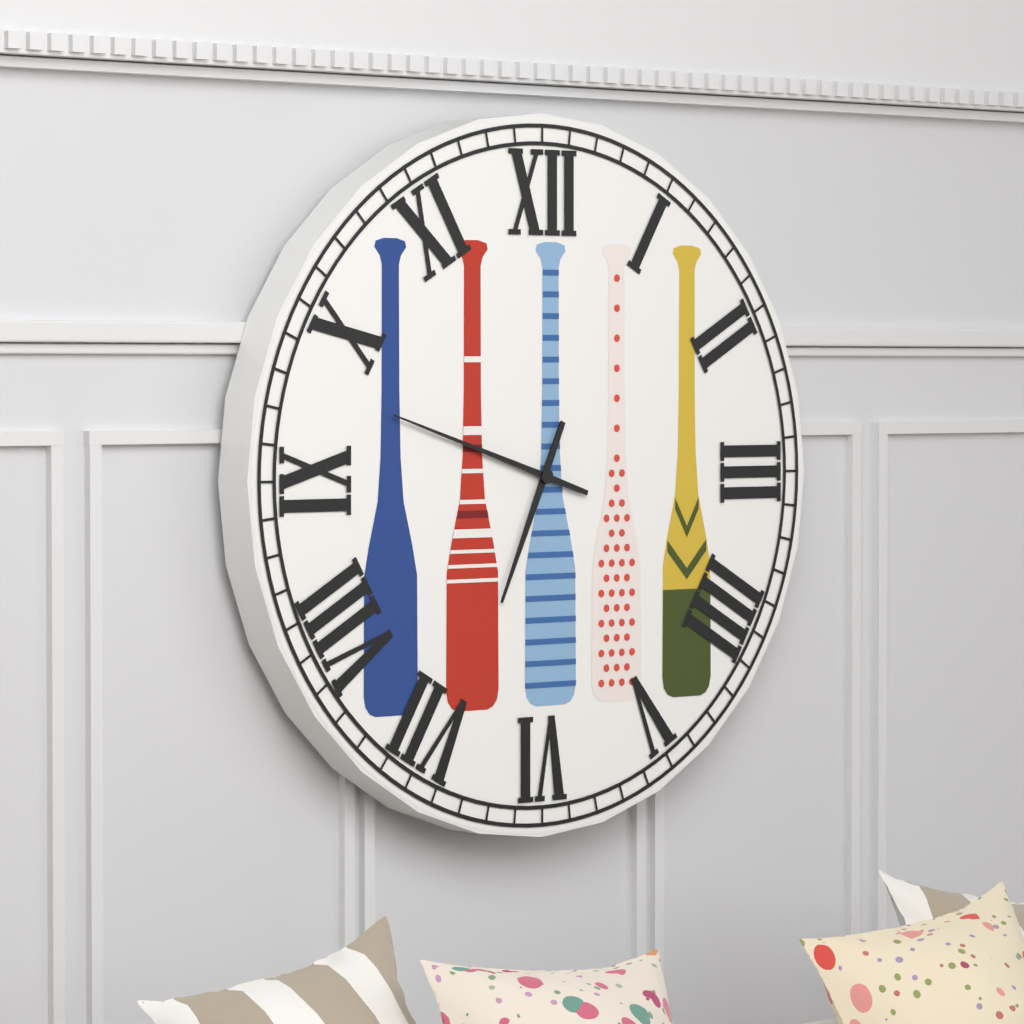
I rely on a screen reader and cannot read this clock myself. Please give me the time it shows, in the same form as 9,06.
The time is 6,48
